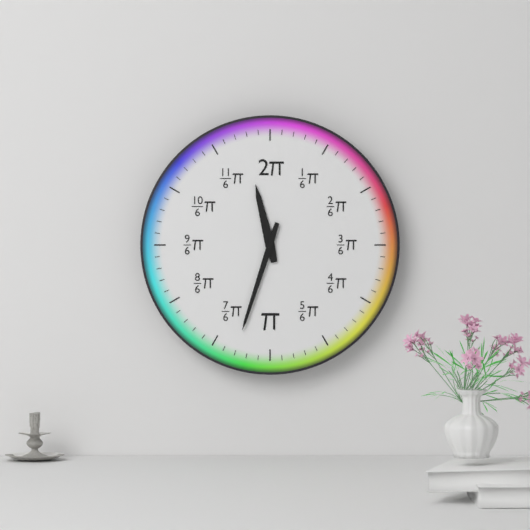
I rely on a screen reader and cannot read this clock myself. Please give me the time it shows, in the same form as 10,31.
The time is 11,33
